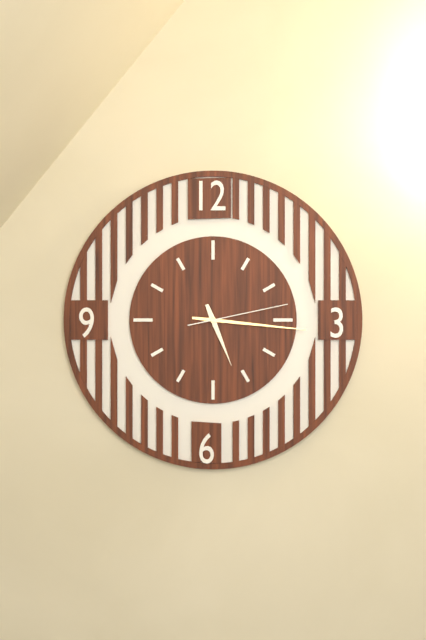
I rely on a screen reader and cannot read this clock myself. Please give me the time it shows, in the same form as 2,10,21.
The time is 5,16,13
